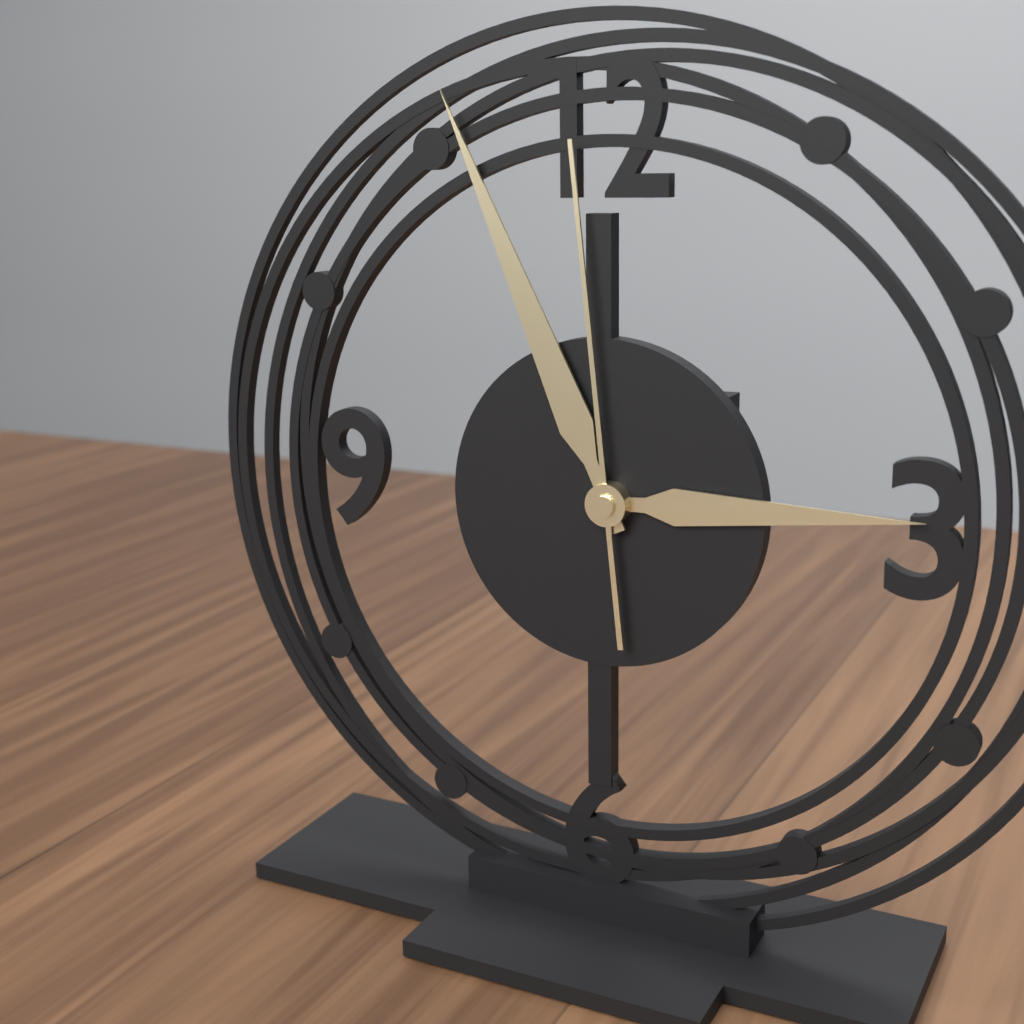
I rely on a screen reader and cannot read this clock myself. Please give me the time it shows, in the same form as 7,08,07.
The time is 2,56,59
